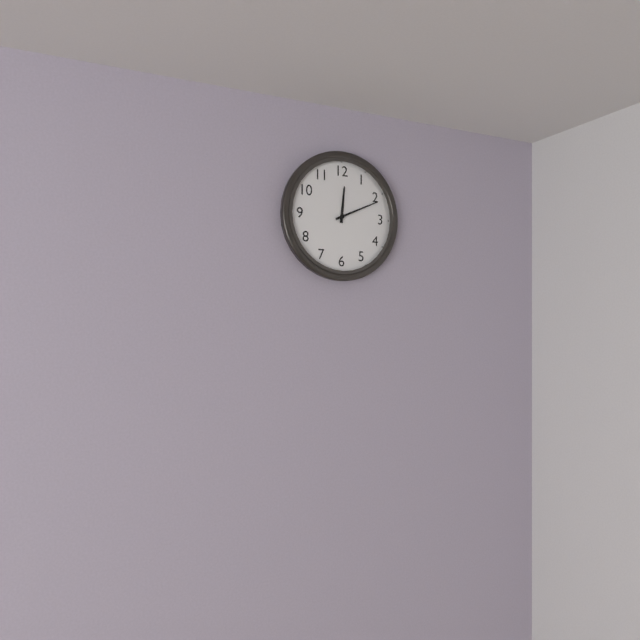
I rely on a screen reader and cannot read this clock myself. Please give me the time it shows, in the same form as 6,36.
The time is 12,11
